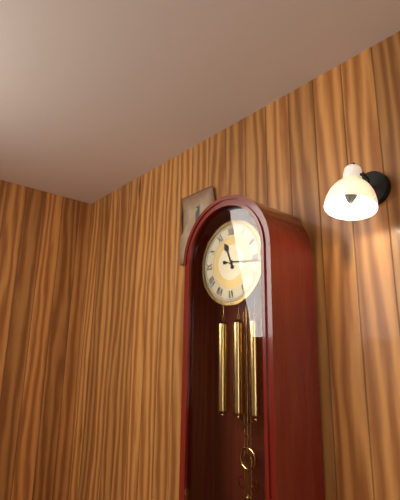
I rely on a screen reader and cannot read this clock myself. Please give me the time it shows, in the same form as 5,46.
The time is 11,16
